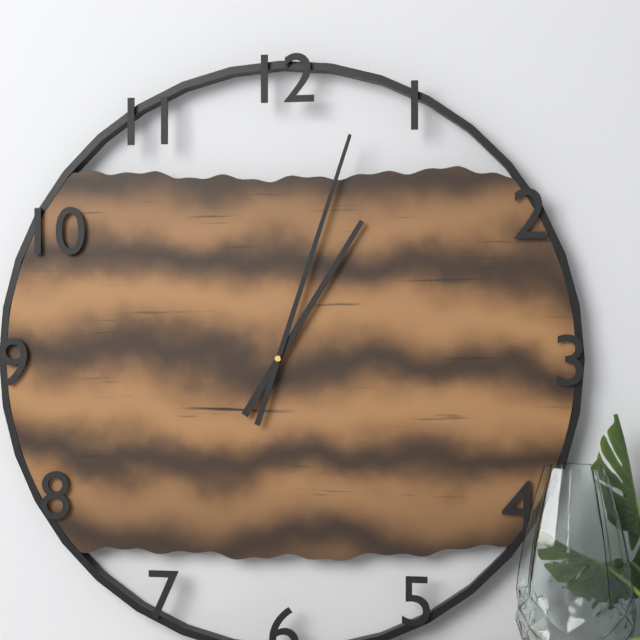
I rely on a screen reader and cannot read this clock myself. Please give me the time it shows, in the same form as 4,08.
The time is 1,03
